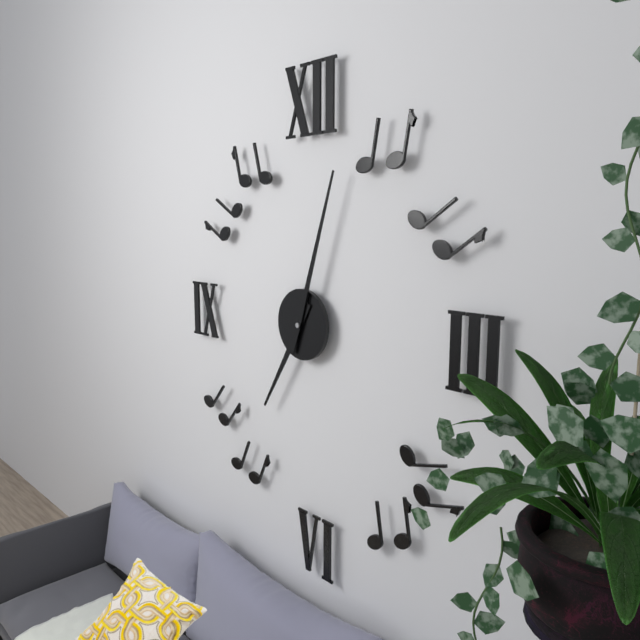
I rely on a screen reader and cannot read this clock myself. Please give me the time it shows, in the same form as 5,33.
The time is 7,03
